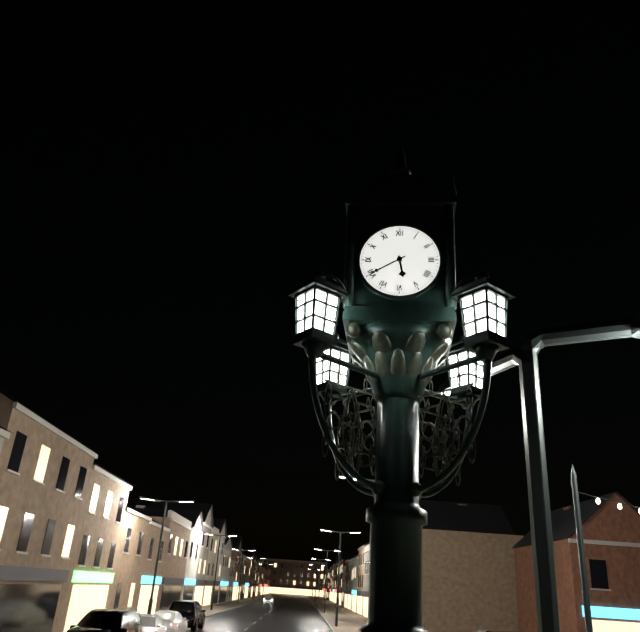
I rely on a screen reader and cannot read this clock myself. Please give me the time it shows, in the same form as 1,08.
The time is 5,40
